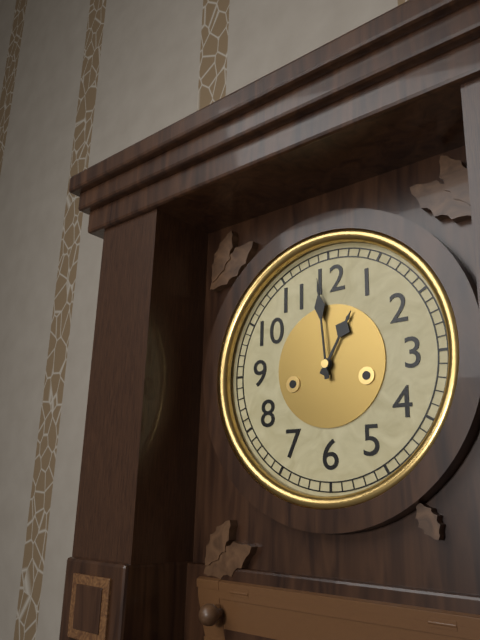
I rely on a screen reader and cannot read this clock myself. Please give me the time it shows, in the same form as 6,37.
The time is 12,59
